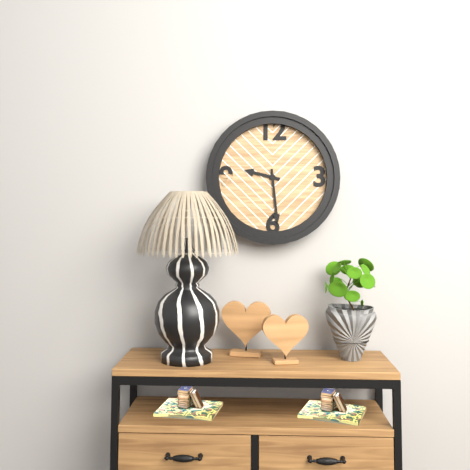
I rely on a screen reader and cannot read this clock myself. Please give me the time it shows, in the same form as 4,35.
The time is 9,29
